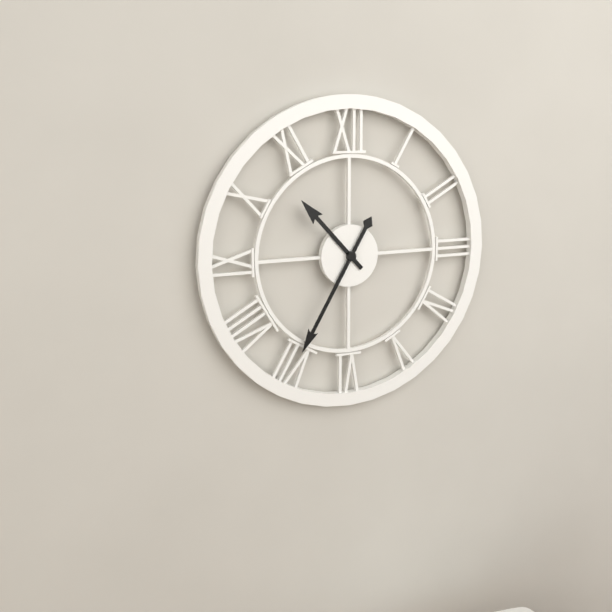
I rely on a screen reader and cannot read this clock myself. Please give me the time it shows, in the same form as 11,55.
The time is 10,35
